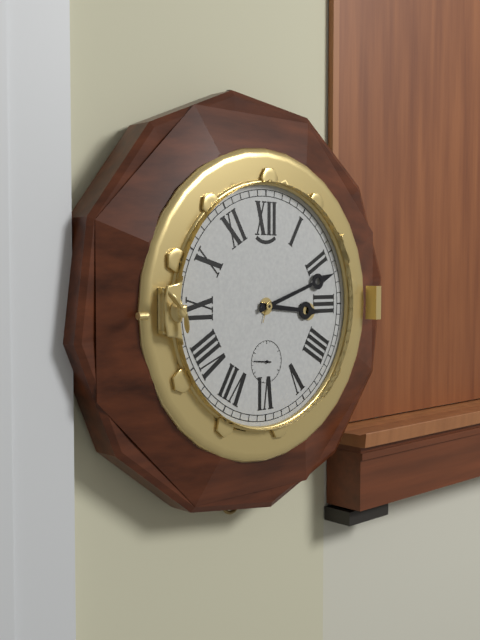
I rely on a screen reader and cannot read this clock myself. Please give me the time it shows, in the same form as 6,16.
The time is 3,12
